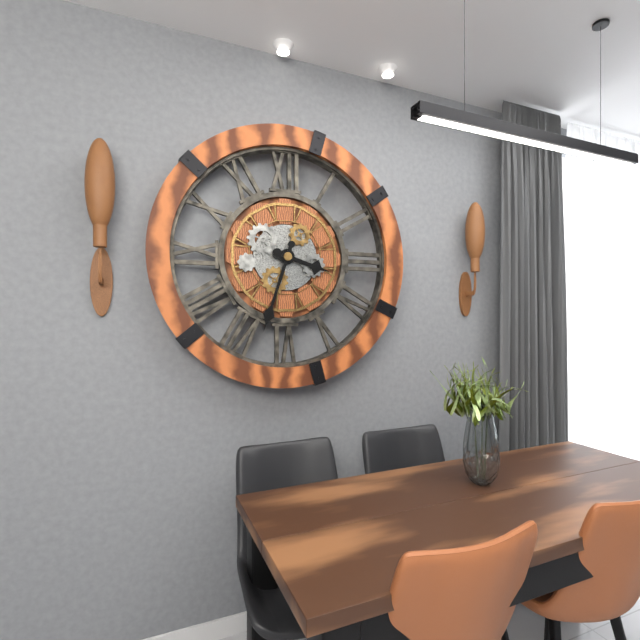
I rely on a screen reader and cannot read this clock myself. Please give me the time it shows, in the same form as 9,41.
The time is 3,33
